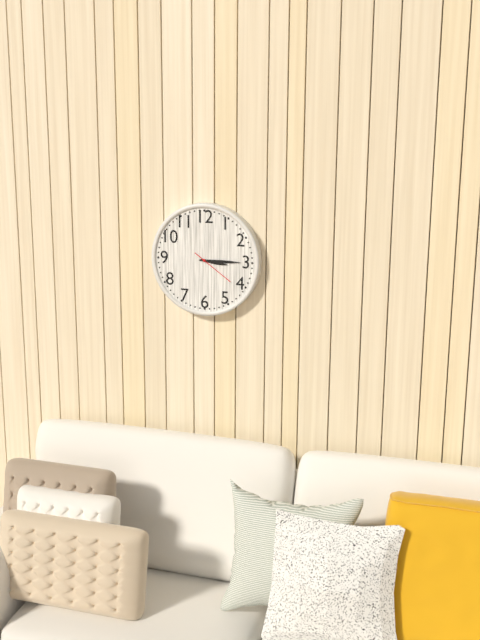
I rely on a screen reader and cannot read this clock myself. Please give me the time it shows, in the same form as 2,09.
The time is 3,15
